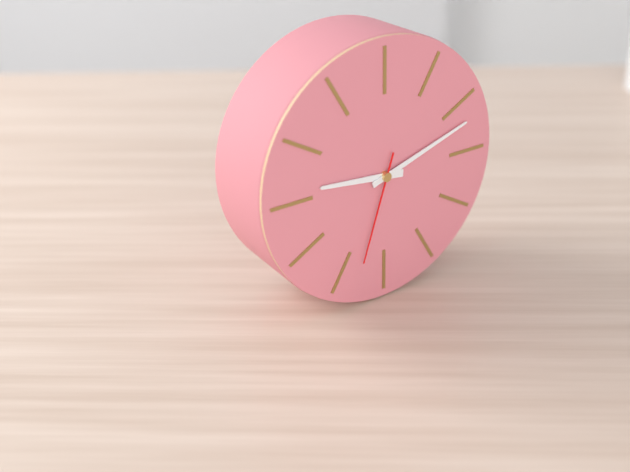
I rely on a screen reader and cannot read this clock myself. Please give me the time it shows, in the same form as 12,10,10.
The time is 9,12,33
